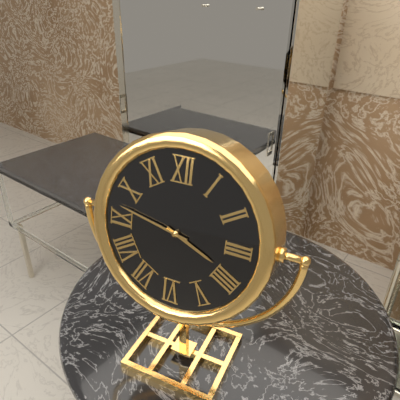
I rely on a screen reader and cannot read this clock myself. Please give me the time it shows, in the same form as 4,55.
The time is 3,47
